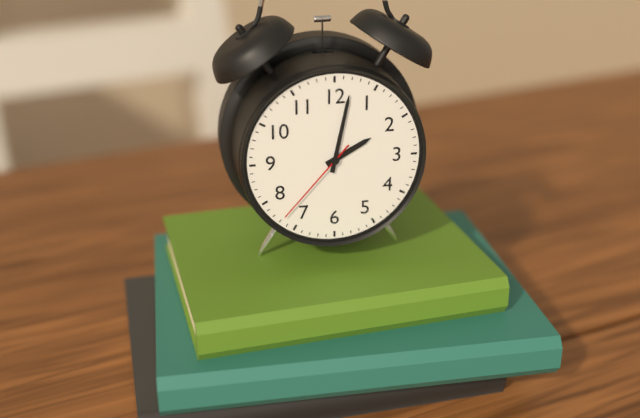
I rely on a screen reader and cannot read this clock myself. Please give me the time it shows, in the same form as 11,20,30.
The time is 2,02,37
